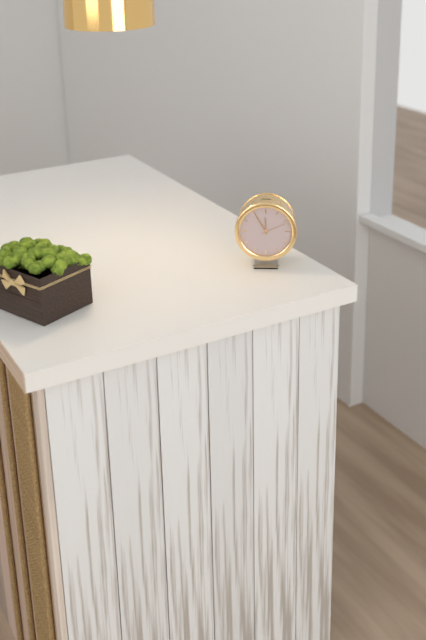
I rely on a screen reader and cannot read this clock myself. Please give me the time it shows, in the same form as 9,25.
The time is 11,55
